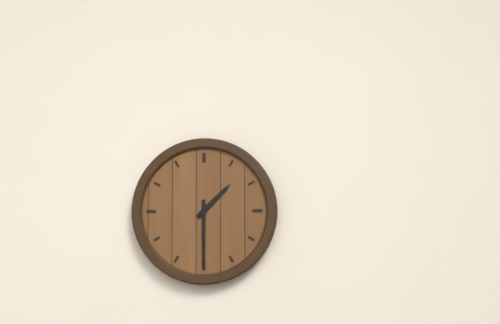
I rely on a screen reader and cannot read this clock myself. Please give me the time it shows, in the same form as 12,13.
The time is 1,30
